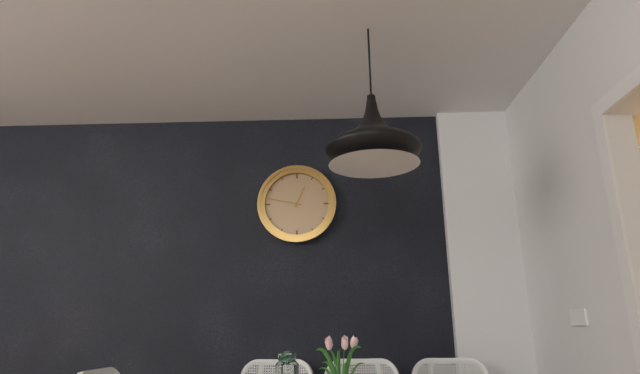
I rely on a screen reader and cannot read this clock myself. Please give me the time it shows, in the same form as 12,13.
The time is 12,47
